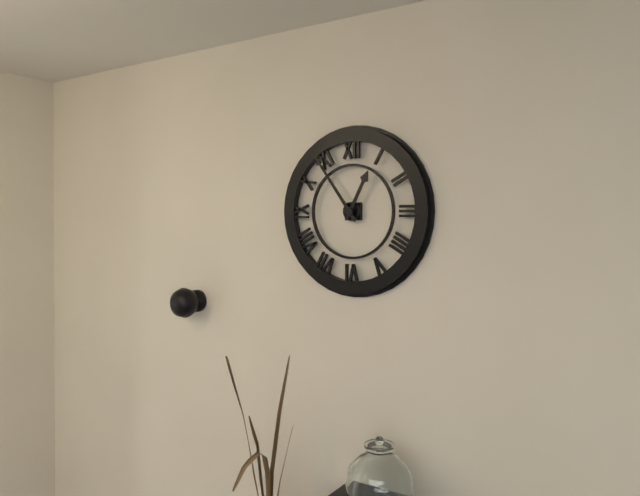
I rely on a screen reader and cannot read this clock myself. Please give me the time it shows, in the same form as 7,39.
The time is 12,54
